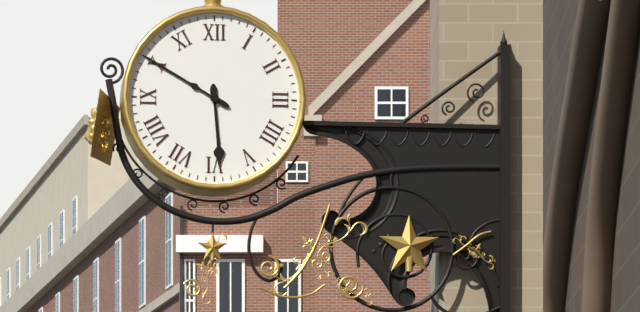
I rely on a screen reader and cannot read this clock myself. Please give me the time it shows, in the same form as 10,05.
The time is 5,50
